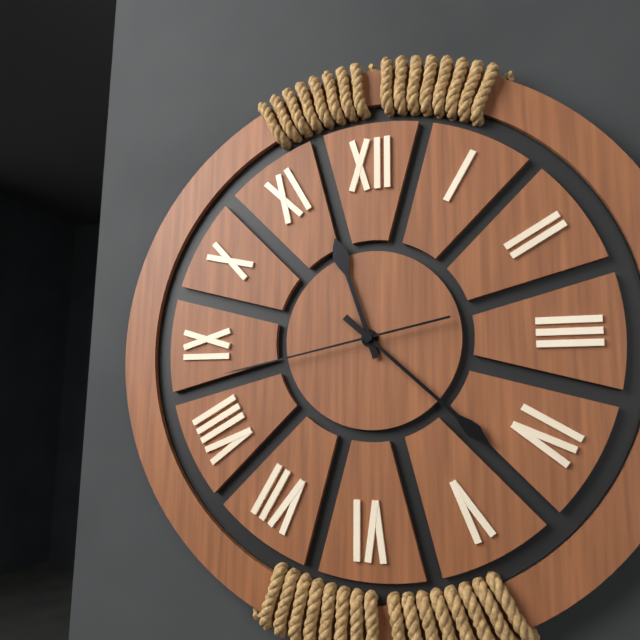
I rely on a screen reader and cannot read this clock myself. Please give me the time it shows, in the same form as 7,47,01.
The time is 11,22,43
